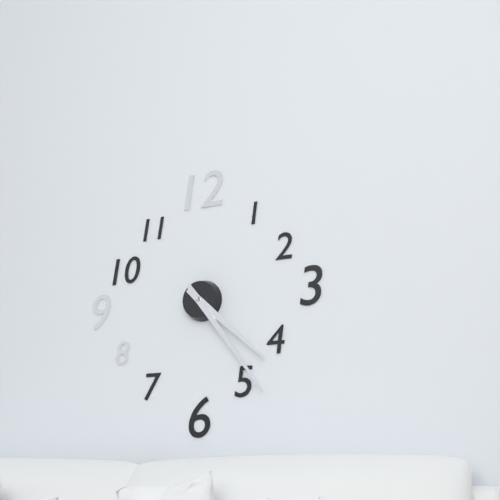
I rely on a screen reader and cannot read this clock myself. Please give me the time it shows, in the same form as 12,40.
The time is 4,24
